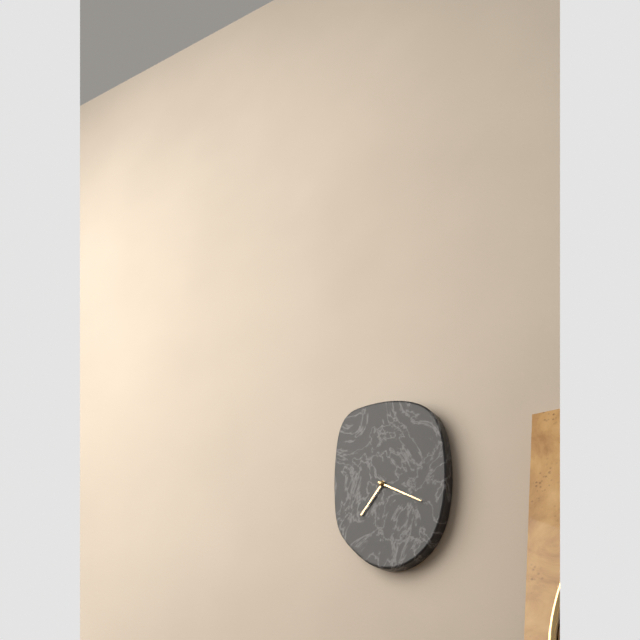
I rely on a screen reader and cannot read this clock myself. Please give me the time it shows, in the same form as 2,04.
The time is 7,20
